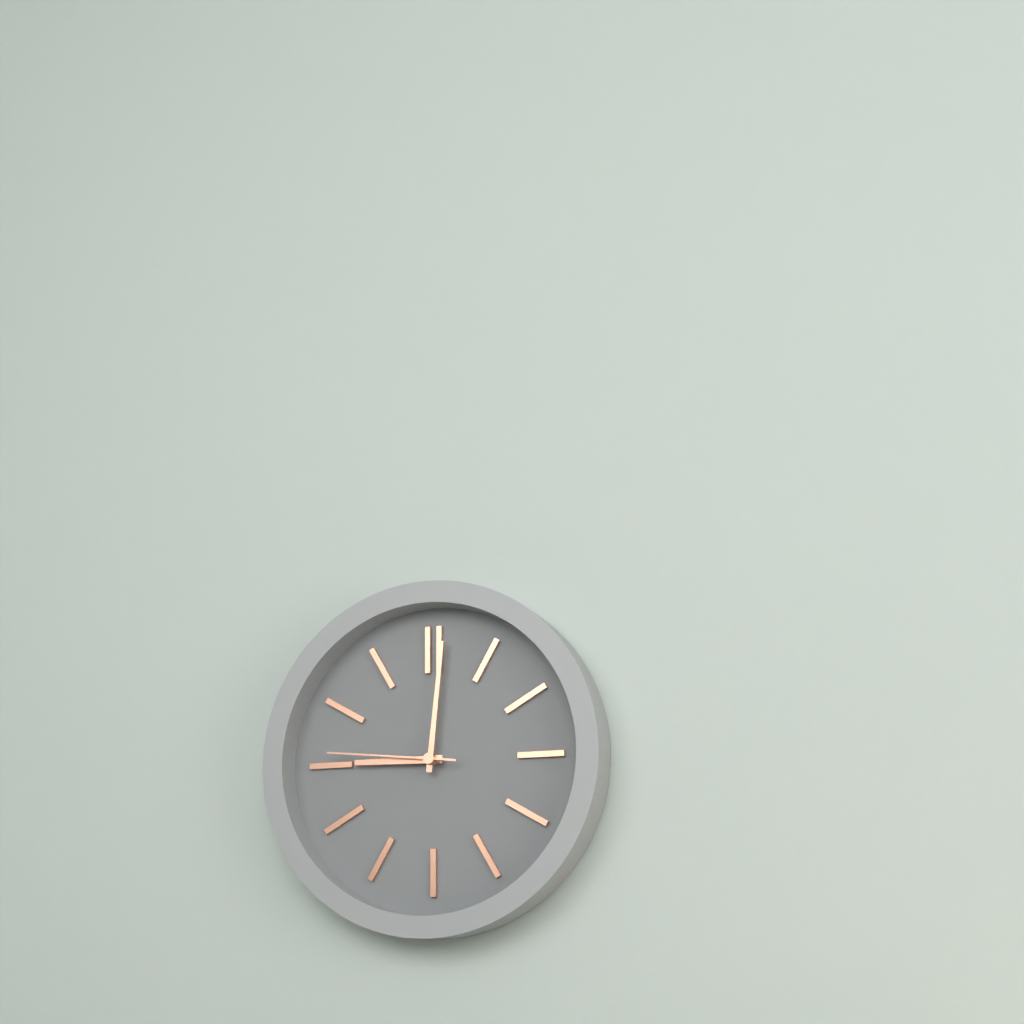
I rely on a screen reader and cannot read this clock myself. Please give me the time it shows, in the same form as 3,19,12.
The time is 9,01,46
